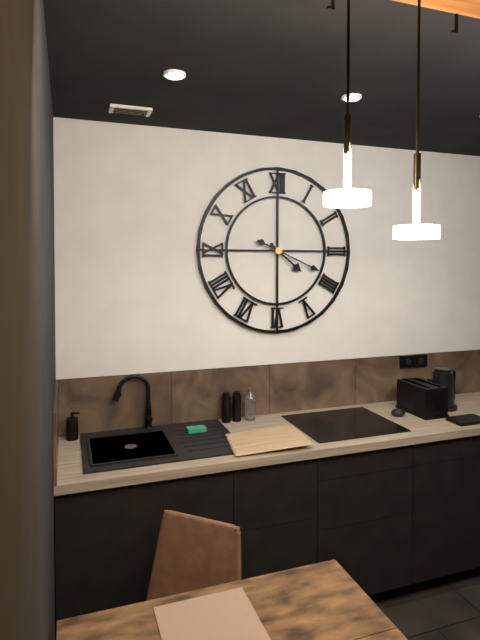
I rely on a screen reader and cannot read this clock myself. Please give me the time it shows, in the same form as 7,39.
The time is 4,19
